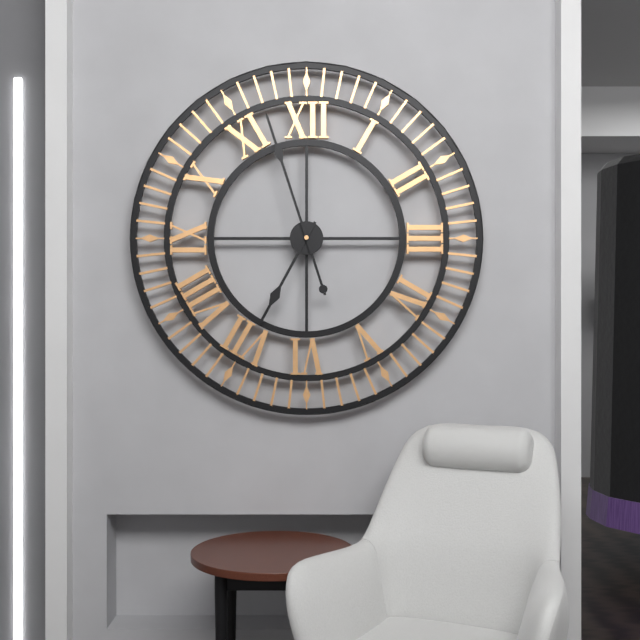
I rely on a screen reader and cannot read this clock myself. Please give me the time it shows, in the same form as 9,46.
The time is 6,57
